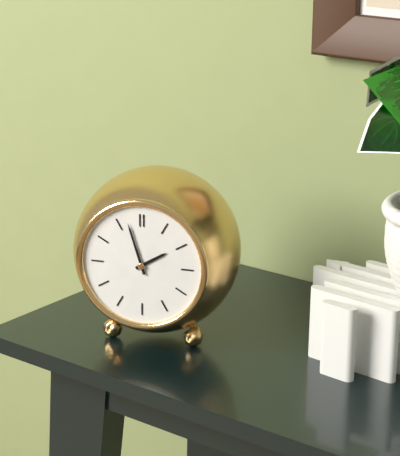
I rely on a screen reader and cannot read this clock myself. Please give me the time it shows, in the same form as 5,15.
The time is 1,57
